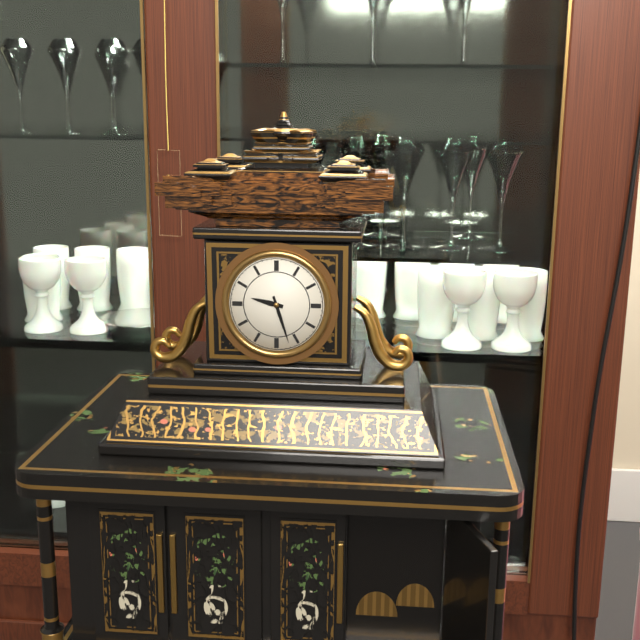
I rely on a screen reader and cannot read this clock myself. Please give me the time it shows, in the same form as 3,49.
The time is 9,27
